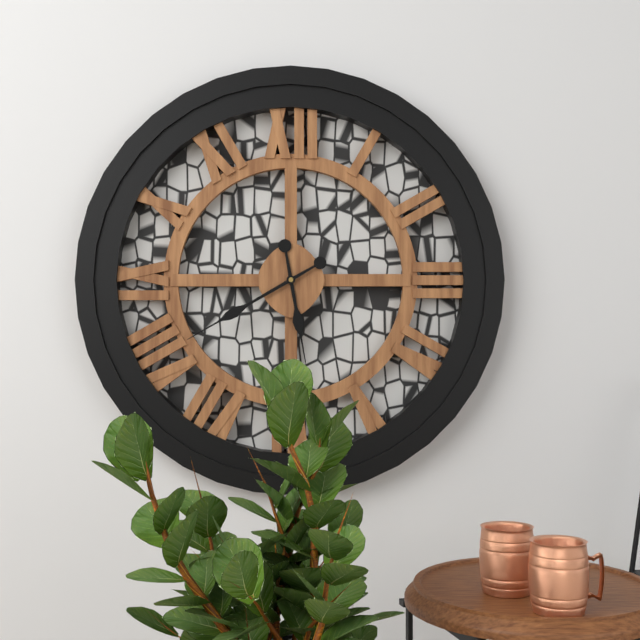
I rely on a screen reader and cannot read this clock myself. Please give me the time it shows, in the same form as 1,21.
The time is 5,40
